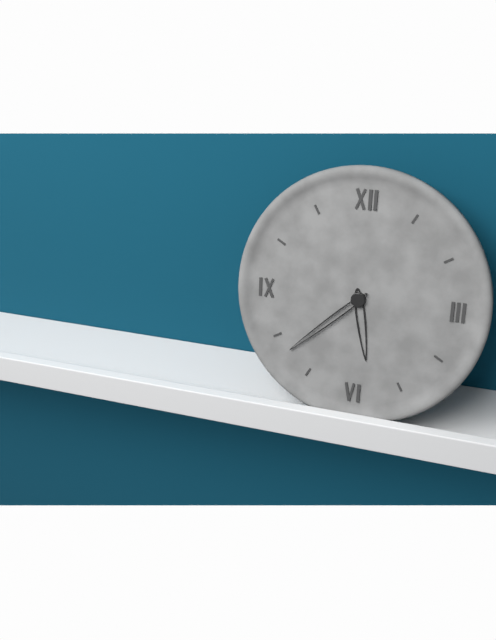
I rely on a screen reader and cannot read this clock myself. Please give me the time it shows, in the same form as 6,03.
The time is 5,38
